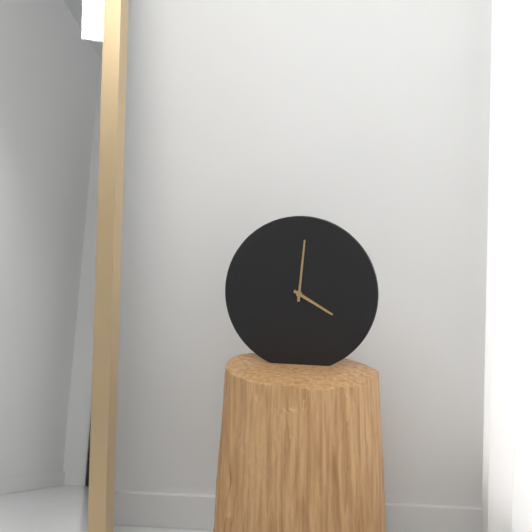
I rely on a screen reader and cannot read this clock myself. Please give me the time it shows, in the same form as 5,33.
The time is 4,01
